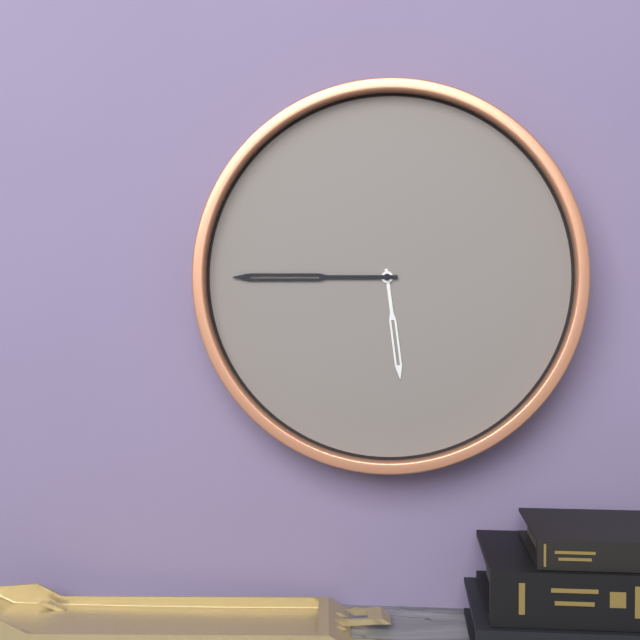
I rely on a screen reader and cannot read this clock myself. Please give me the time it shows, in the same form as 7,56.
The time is 5,45
